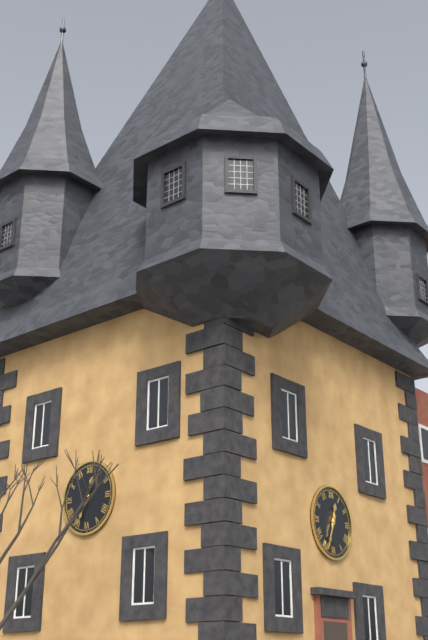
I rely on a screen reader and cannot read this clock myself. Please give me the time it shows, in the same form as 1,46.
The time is 12,34
